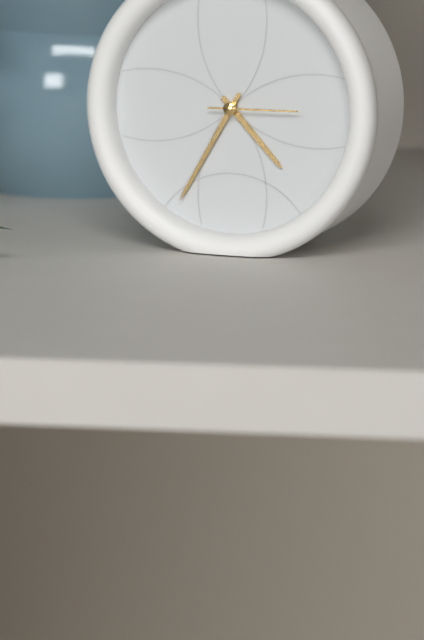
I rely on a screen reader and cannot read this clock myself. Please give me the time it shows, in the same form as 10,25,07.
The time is 4,35,15
